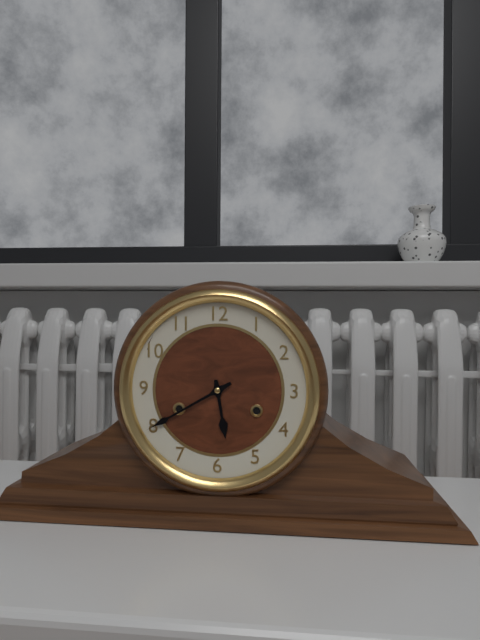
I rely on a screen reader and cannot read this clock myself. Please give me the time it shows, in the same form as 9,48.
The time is 5,40
